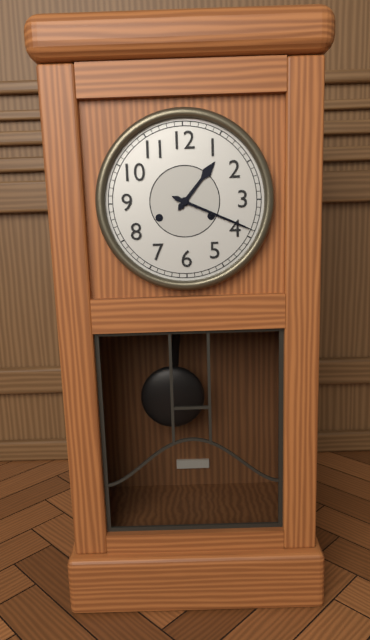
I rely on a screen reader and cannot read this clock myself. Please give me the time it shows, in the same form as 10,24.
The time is 1,19
